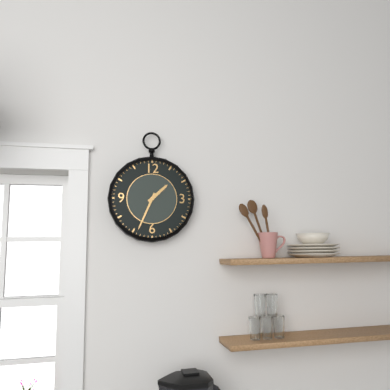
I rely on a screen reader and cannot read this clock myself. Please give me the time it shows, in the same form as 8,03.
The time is 1,34
